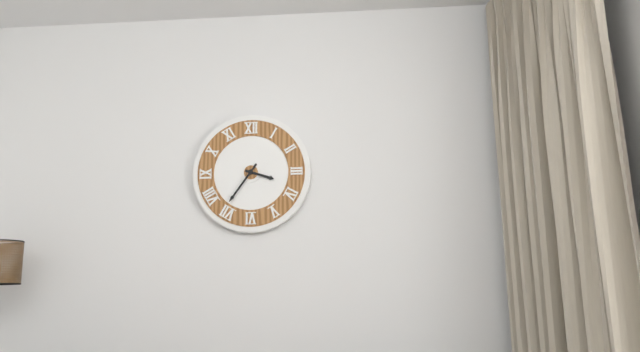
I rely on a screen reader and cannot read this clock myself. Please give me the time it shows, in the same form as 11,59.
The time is 3,36
